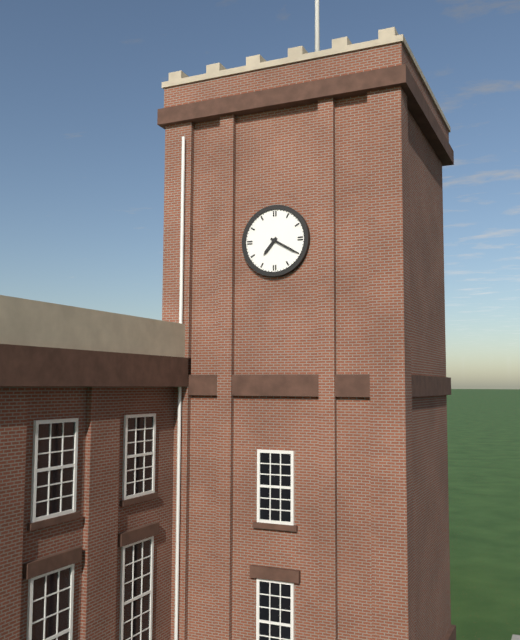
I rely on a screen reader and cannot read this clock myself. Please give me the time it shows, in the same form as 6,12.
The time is 7,20
